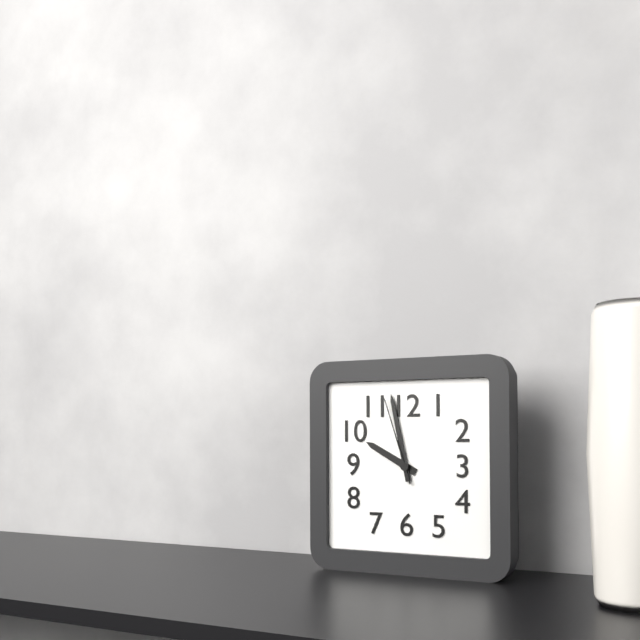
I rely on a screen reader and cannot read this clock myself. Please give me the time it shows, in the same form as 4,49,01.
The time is 9,58,57
